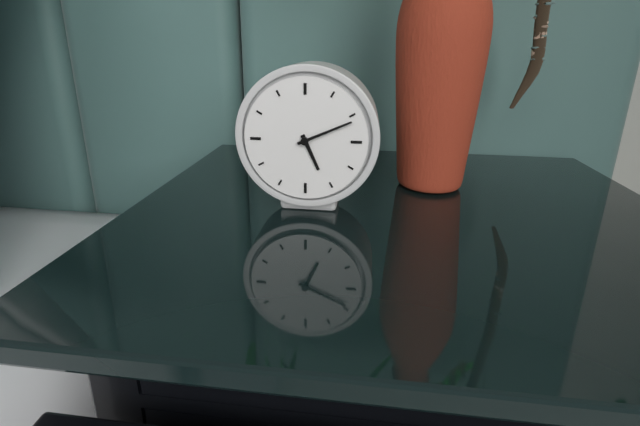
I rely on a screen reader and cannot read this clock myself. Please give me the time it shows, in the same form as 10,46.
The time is 5,11
